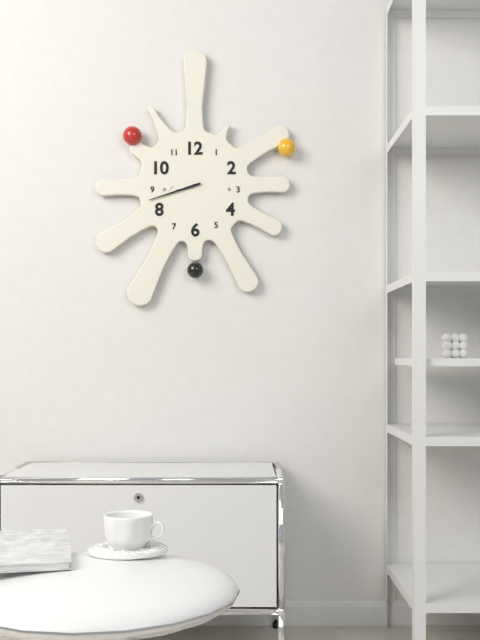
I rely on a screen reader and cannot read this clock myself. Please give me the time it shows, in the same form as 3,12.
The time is 8,42
